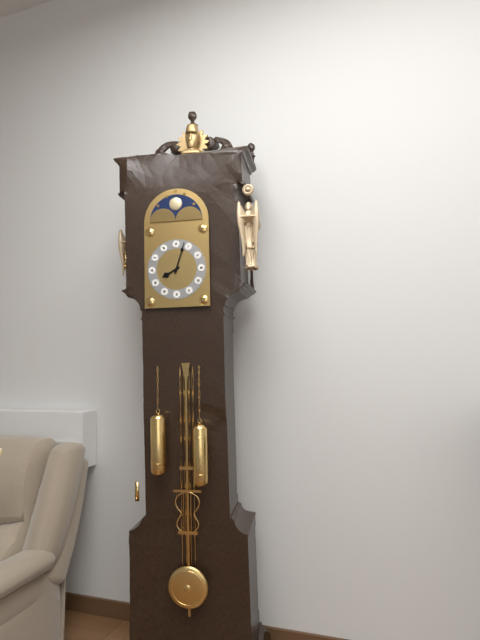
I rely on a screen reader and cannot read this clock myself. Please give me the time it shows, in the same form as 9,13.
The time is 8,03
